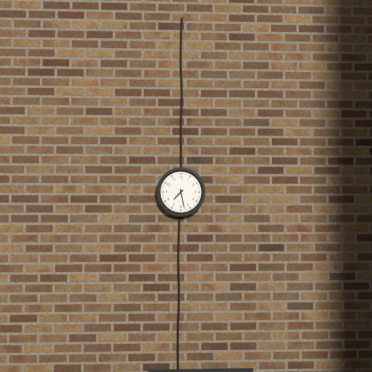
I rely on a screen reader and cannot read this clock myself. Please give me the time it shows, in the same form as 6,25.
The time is 7,28
